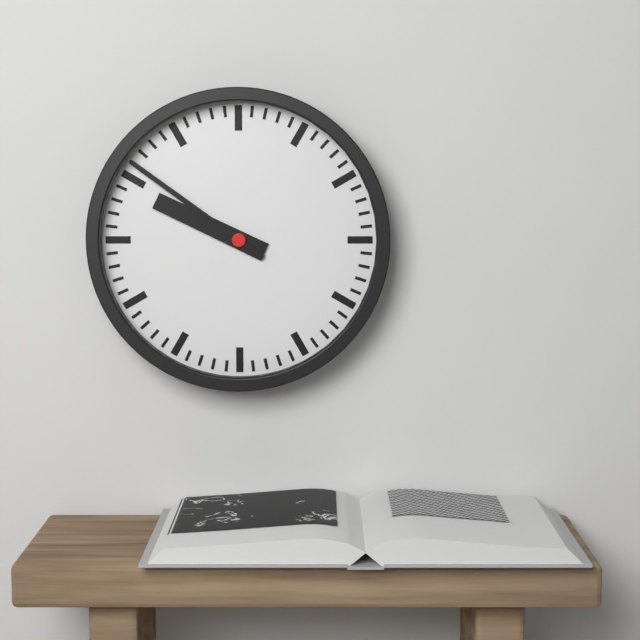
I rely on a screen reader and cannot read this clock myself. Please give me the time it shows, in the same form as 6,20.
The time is 9,51
